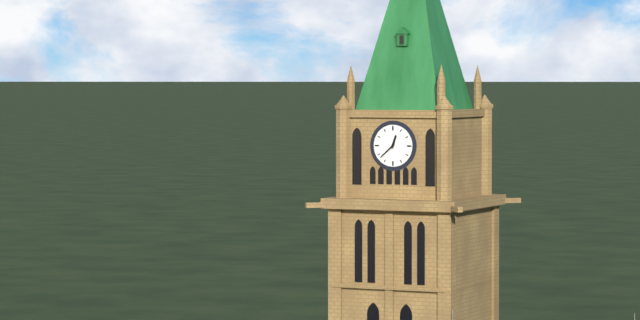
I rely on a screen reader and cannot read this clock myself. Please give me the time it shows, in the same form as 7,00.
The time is 12,38
